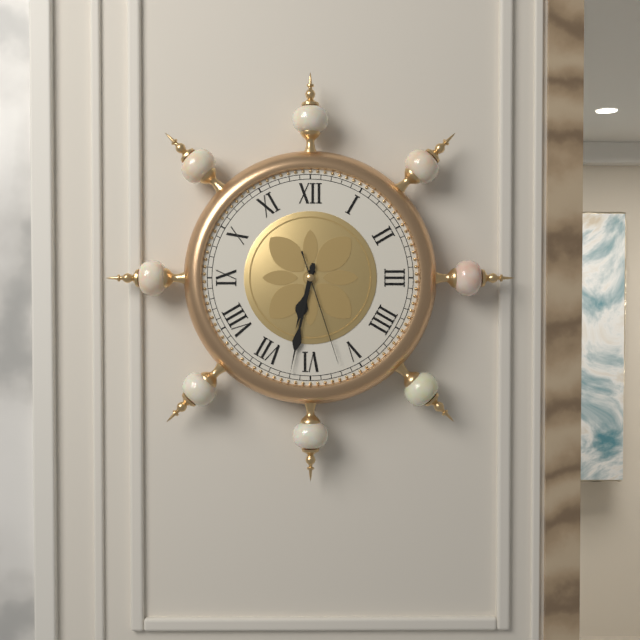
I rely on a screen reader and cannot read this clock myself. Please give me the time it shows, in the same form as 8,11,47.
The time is 6,32,27
